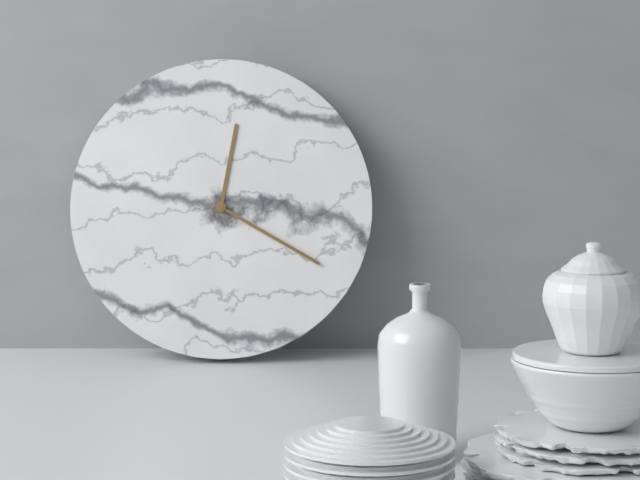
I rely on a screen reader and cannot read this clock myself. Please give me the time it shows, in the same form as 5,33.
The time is 12,20
